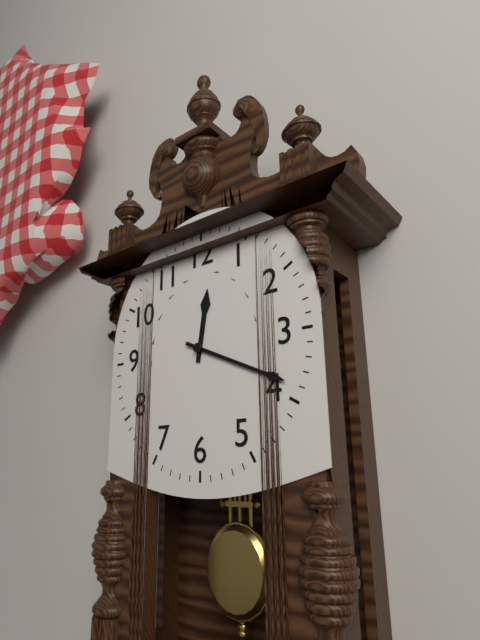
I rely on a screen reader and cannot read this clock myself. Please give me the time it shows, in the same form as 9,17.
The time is 12,19
